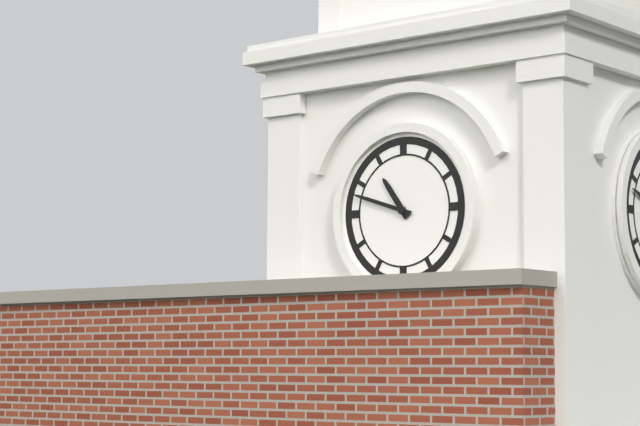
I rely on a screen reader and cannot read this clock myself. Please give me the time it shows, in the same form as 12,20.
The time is 10,48
